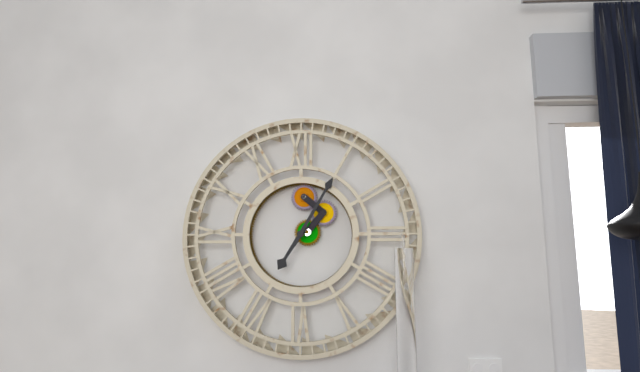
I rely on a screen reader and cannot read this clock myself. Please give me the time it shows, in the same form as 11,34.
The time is 7,05
